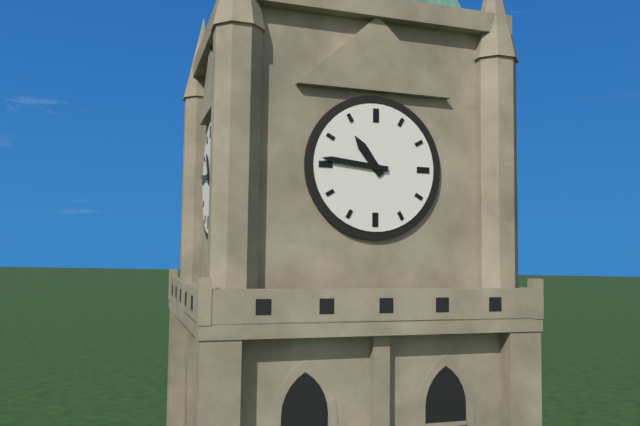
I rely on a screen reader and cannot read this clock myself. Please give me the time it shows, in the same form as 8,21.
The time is 10,46
